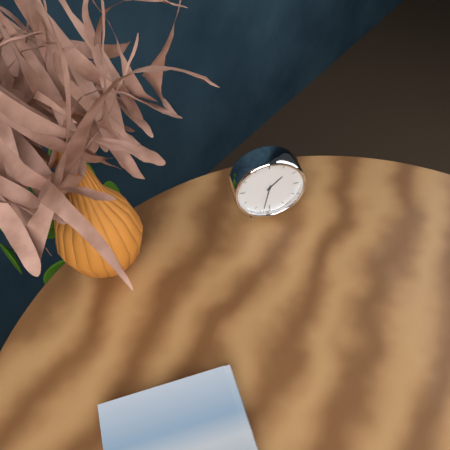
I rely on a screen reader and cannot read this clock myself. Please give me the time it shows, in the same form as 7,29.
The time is 1,32
